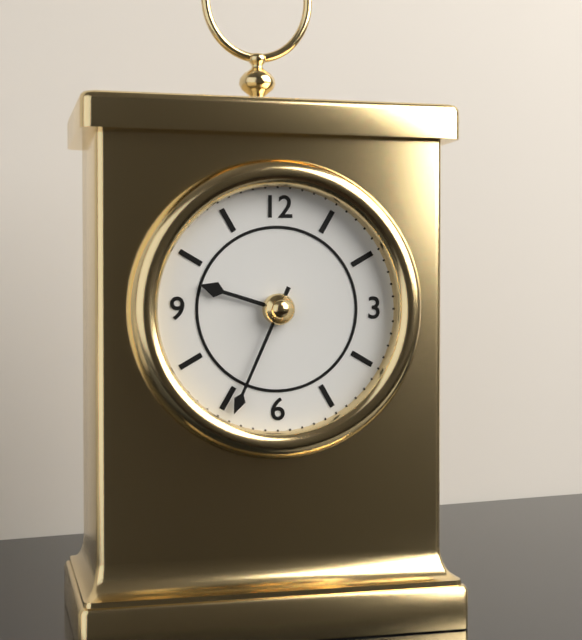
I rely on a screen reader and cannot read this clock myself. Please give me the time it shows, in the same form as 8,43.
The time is 9,34
